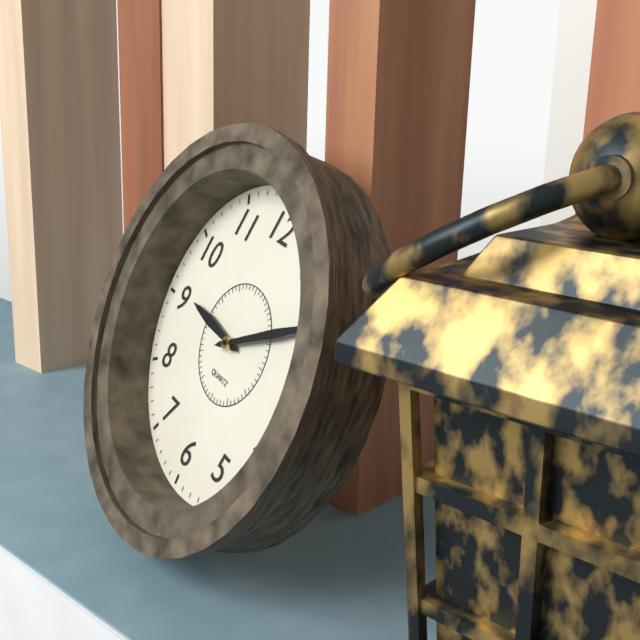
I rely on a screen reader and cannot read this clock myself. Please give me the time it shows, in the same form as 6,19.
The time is 9,10
